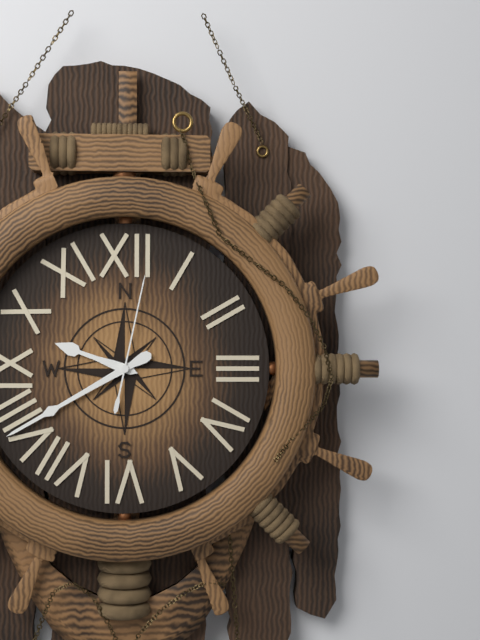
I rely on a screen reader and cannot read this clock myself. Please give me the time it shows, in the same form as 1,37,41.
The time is 9,40,02
